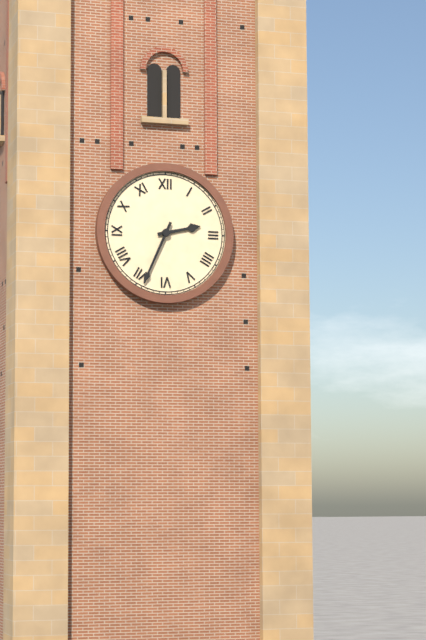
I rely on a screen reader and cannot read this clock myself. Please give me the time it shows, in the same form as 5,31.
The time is 2,34
